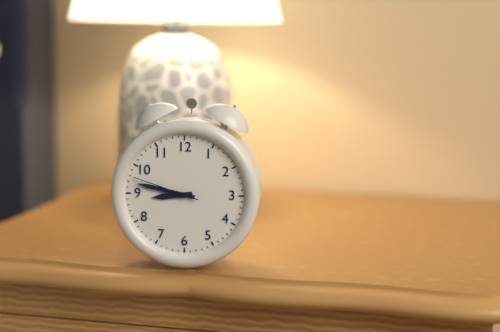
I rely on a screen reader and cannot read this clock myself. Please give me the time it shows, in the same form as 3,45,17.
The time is 8,47,48
